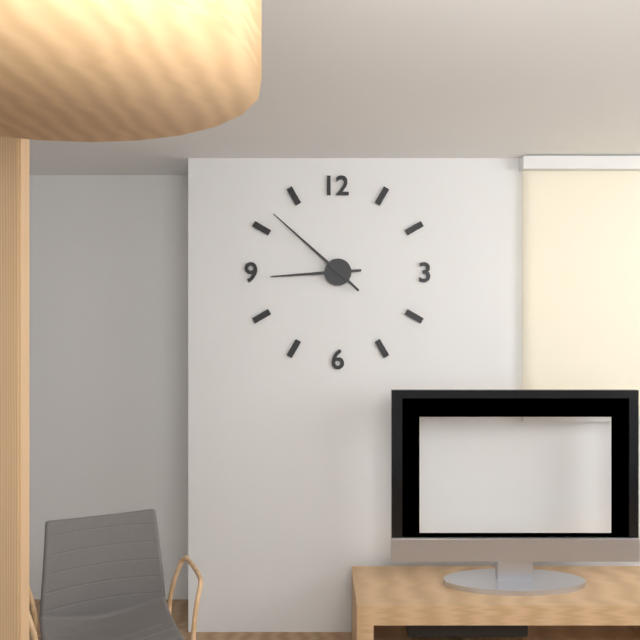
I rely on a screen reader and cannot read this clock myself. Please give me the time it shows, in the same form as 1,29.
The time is 8,52
